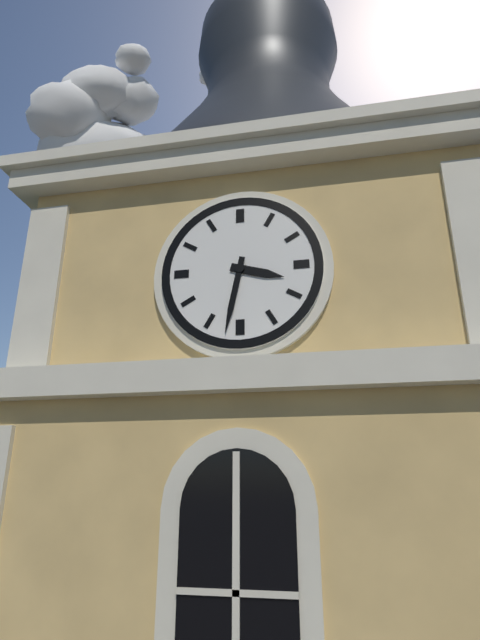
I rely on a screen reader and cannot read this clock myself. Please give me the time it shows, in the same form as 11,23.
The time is 3,32
